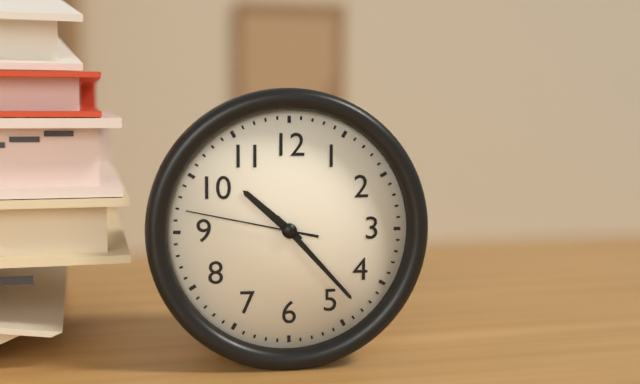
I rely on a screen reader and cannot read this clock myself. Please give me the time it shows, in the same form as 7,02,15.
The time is 10,23,47
